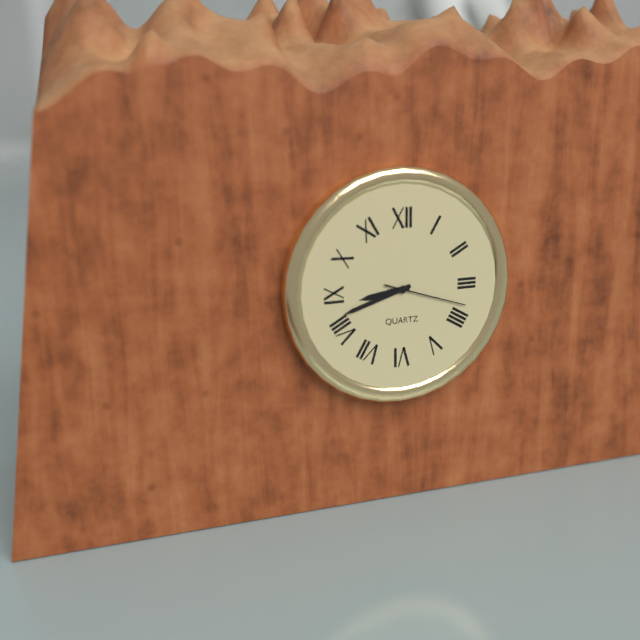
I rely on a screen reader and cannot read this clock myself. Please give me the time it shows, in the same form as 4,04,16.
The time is 8,42,18
